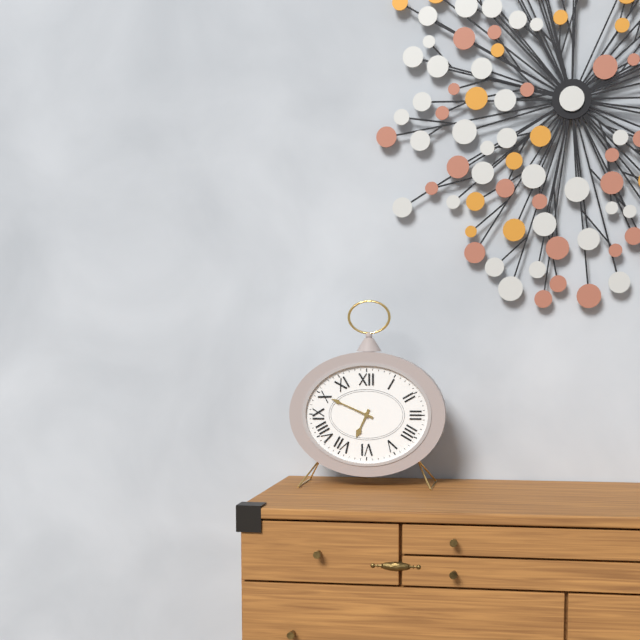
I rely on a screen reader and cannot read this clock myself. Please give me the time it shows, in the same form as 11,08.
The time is 6,49
